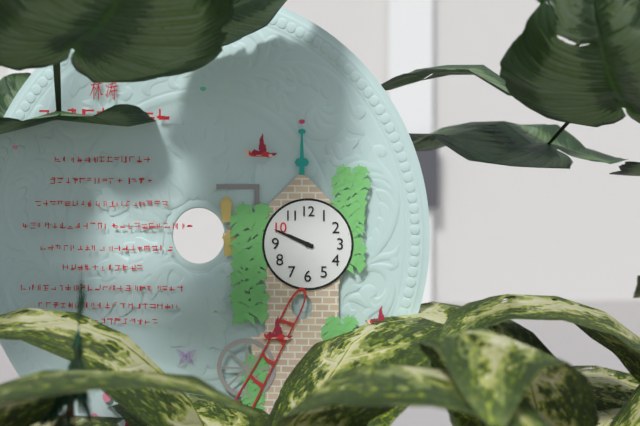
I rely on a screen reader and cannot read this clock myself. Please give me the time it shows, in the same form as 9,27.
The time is 9,49
